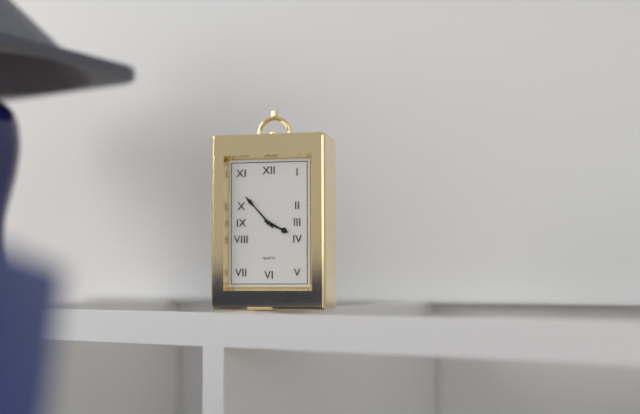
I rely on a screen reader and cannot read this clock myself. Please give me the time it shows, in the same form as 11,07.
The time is 3,53
